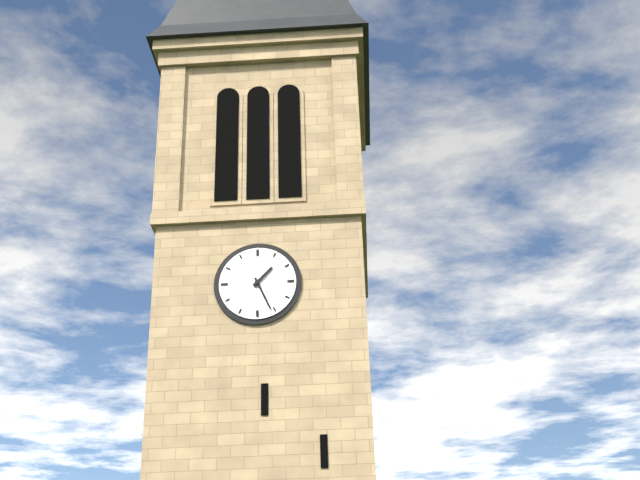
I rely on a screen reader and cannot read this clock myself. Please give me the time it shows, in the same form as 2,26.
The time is 1,26
